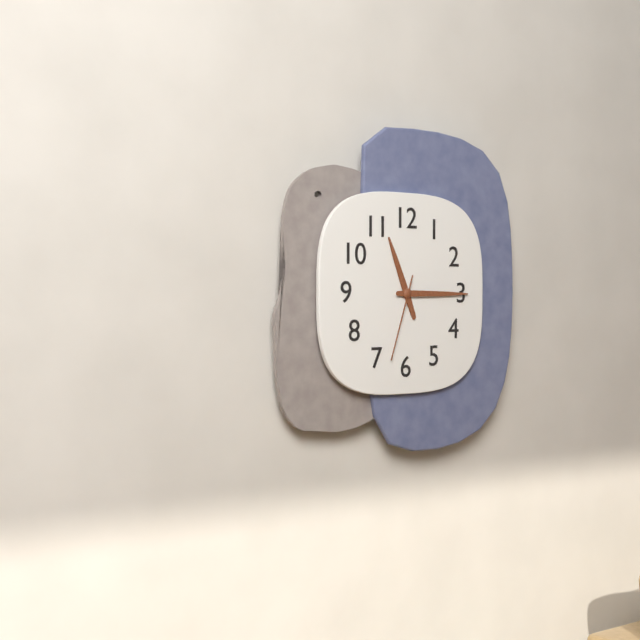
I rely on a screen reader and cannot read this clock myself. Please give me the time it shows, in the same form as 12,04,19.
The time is 11,15,33
